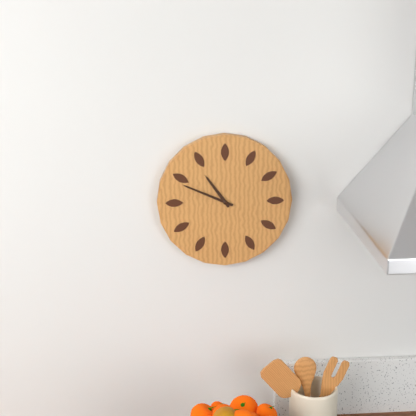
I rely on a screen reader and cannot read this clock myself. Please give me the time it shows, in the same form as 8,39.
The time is 10,49
